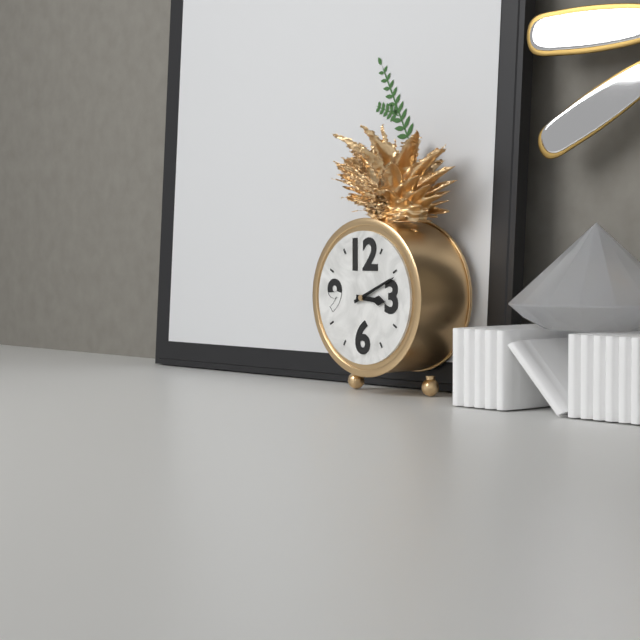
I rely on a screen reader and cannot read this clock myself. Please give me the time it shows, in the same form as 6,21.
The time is 3,11
